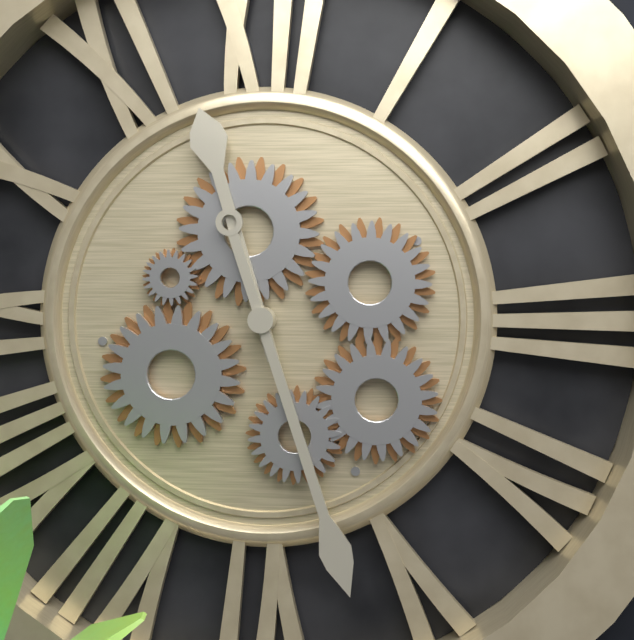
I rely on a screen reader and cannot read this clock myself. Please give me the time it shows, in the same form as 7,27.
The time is 11,27
